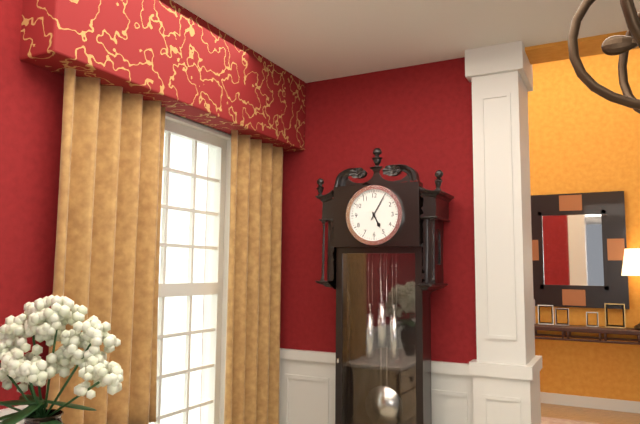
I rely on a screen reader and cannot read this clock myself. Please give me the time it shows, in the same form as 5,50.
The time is 5,05
